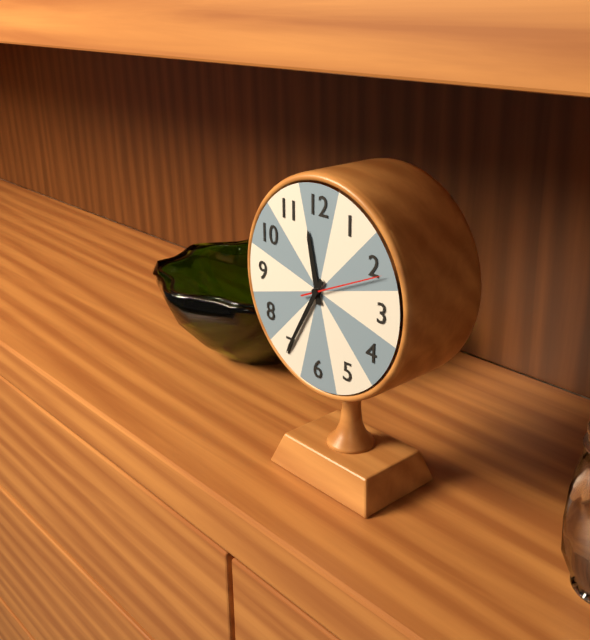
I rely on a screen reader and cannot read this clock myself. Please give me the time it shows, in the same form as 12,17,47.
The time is 11,35,11
